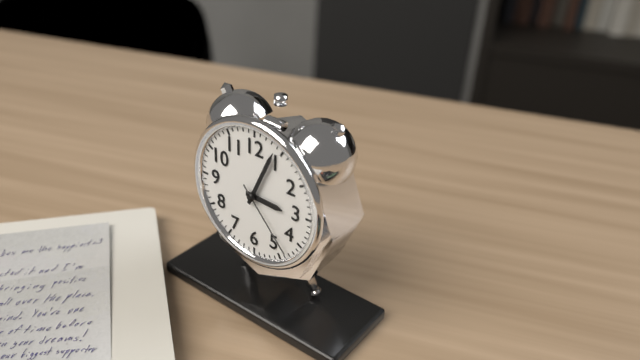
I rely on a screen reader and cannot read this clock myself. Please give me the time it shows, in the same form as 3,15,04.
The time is 3,04,23
